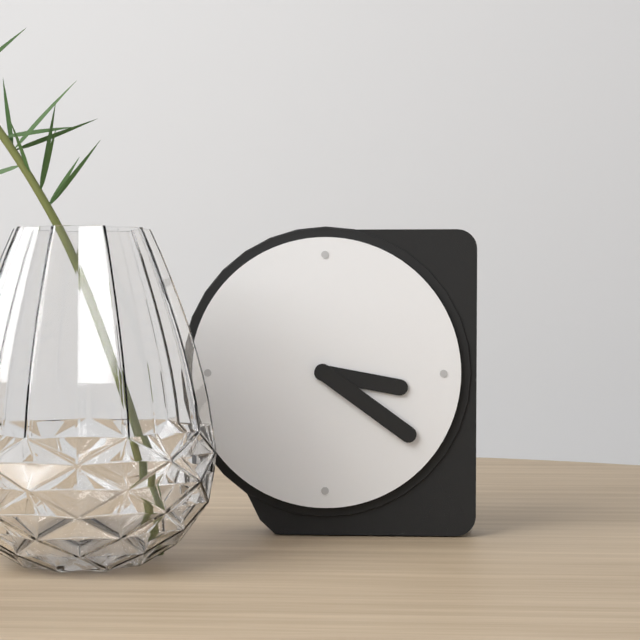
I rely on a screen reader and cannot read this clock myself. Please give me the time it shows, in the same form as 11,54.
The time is 3,21
